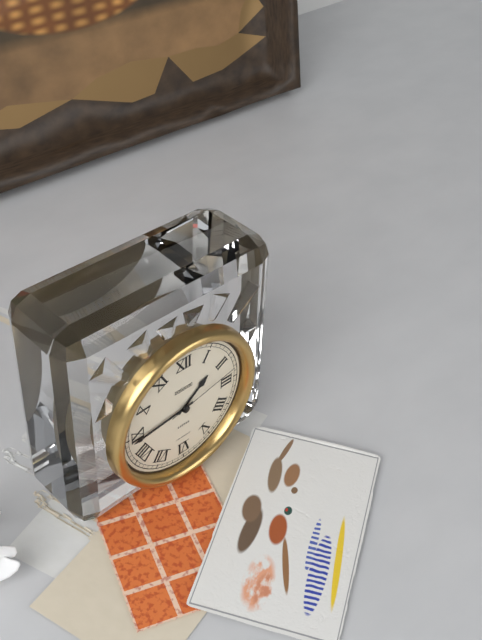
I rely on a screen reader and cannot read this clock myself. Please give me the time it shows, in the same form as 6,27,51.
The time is 1,44,13
